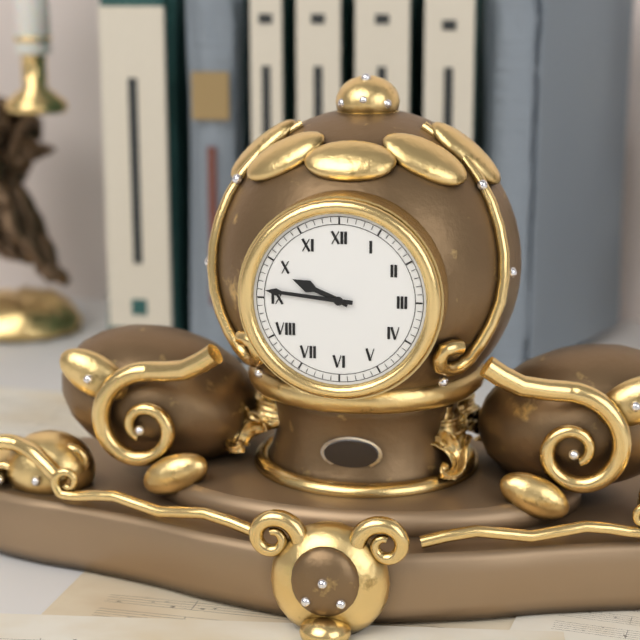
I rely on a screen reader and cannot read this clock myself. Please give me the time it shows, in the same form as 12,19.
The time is 9,46
